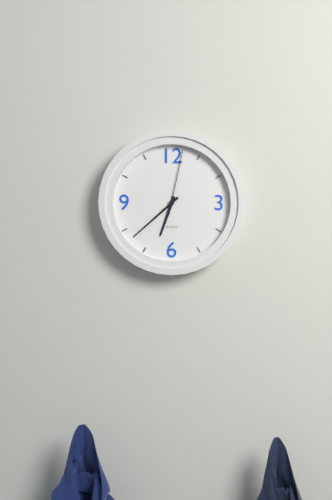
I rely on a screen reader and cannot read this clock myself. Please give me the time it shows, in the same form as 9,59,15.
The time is 6,38,02
